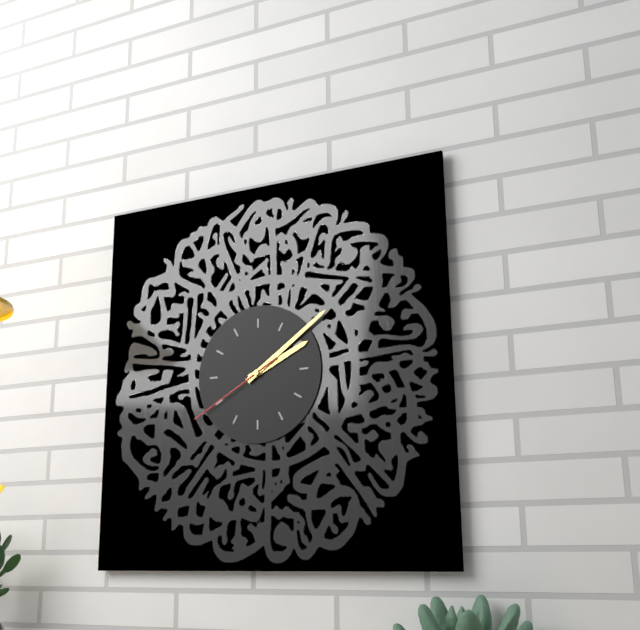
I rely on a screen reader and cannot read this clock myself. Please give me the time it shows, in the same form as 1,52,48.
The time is 2,09,40
